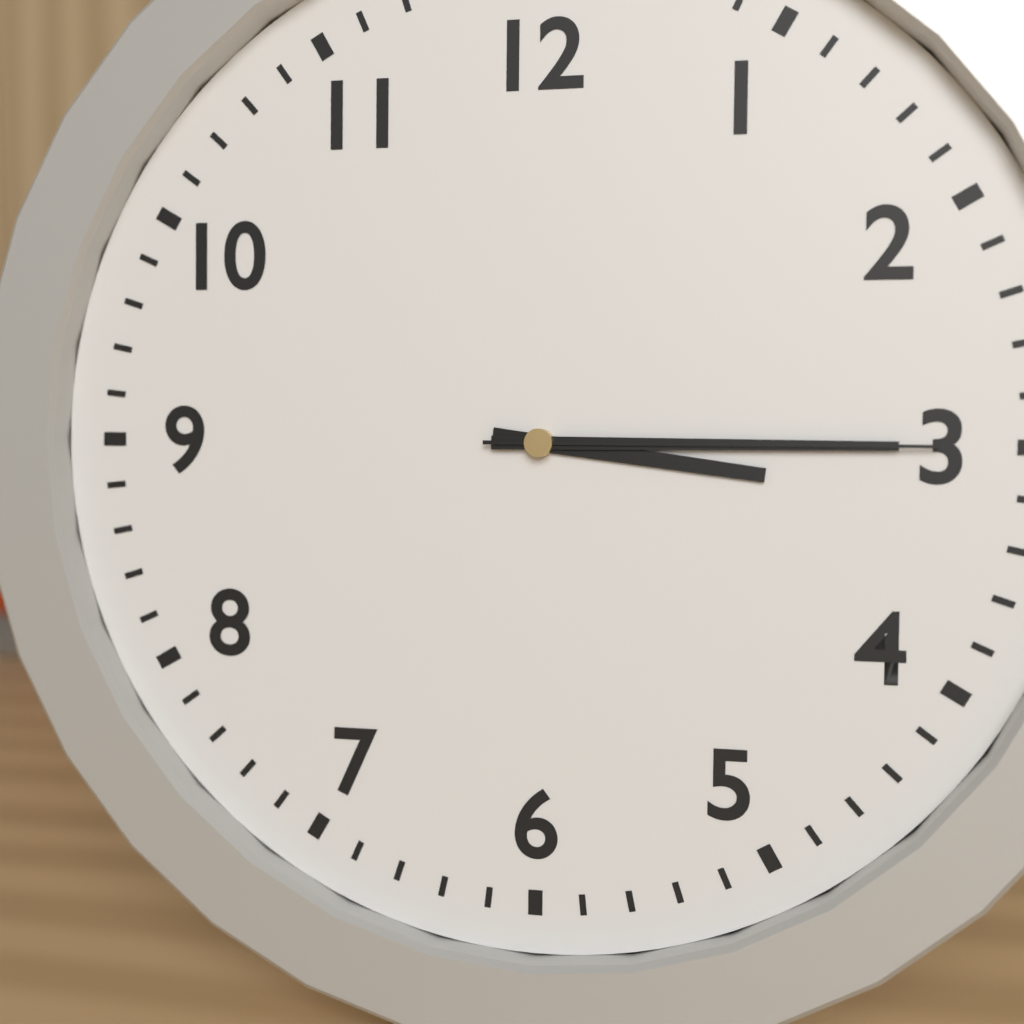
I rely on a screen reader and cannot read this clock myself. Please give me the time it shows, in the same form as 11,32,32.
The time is 3,15,15
